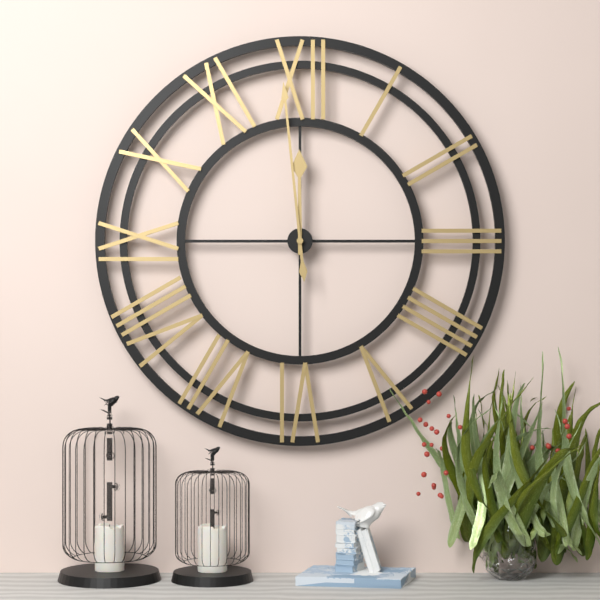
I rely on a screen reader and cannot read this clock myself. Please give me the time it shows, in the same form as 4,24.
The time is 11,59
